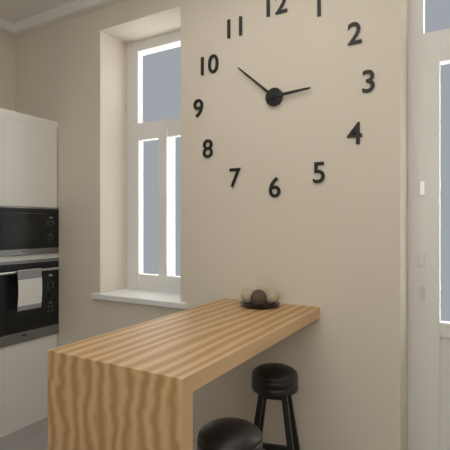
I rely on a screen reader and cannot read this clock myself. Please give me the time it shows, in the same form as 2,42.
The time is 2,52
